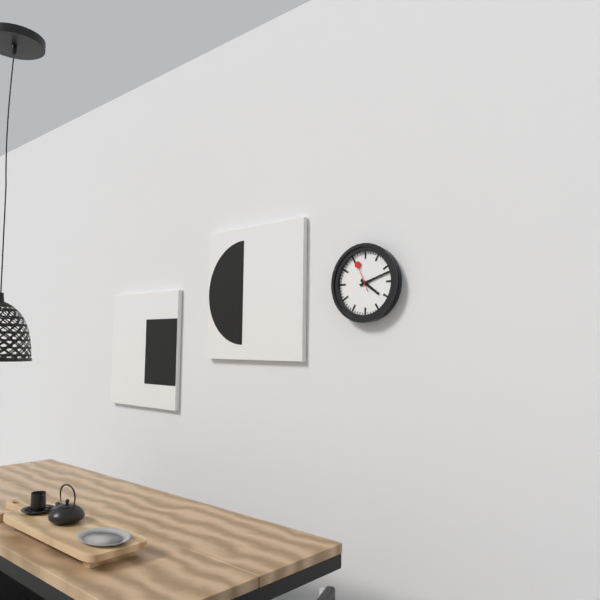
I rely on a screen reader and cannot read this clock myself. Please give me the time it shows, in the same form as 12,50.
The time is 4,12
